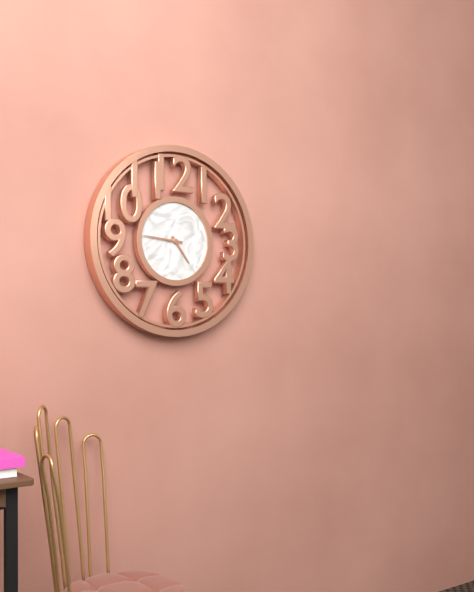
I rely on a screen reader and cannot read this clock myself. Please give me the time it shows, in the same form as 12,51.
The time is 4,46
